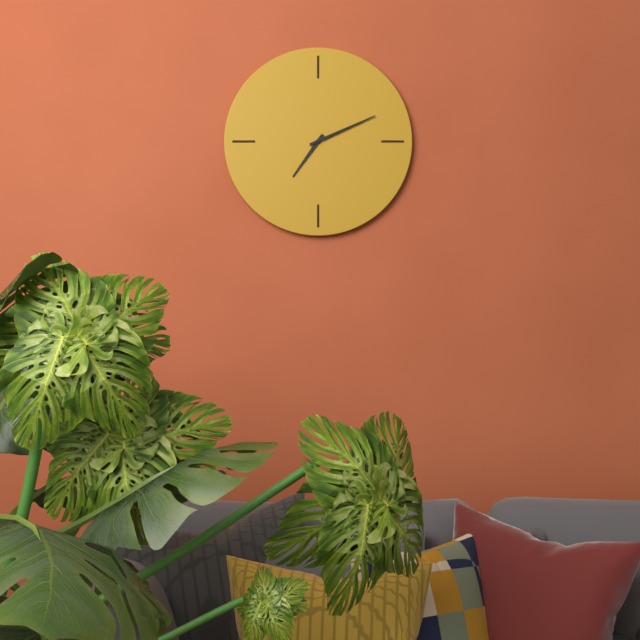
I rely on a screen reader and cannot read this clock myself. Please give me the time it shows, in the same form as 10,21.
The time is 7,11
